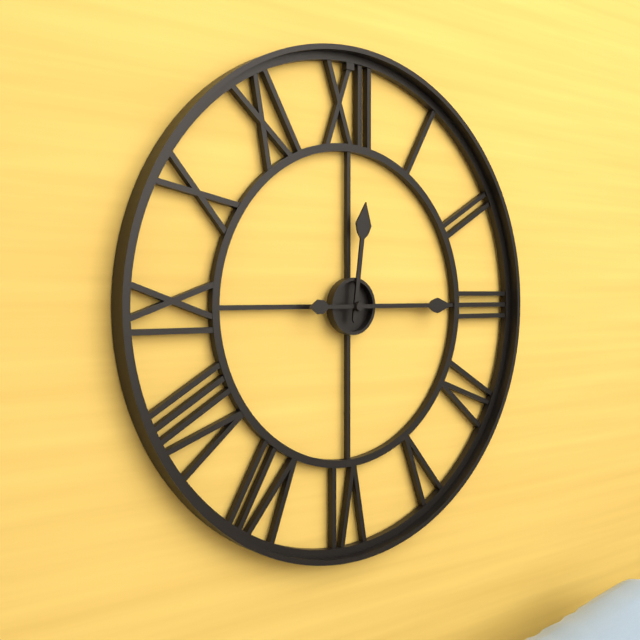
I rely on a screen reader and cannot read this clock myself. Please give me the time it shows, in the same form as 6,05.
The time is 12,15
